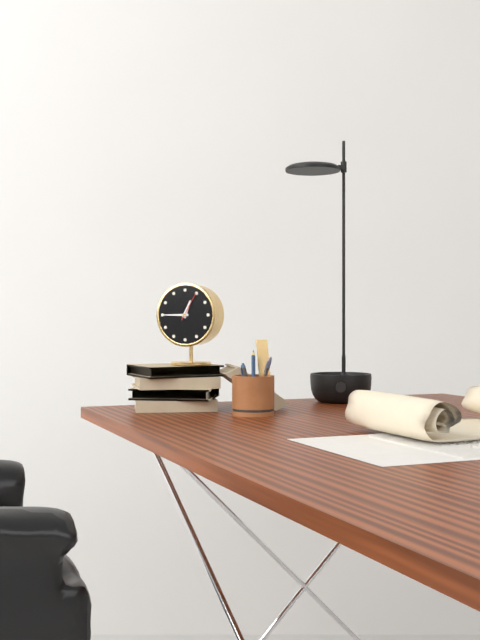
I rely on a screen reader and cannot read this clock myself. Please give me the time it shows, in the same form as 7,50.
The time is 12,45
